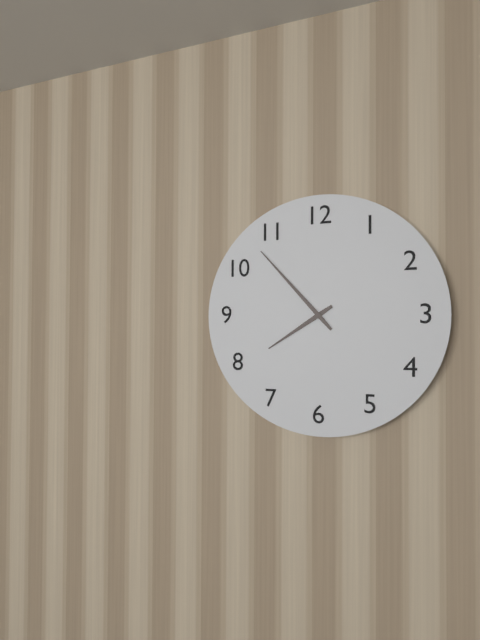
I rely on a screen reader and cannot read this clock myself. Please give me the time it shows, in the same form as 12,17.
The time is 7,53
